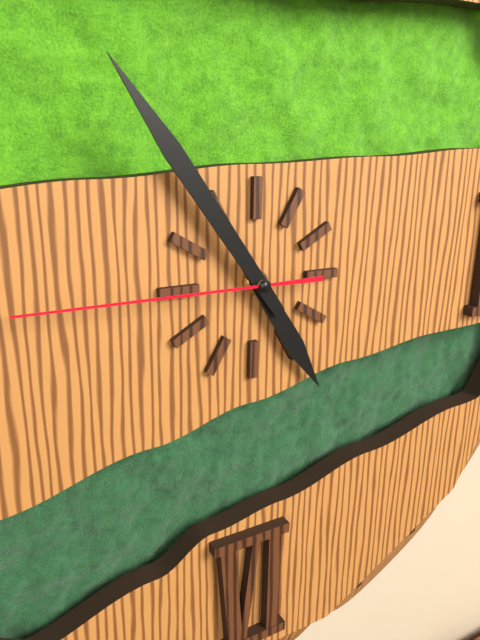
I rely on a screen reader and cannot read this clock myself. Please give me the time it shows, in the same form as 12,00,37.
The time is 4,54,45
